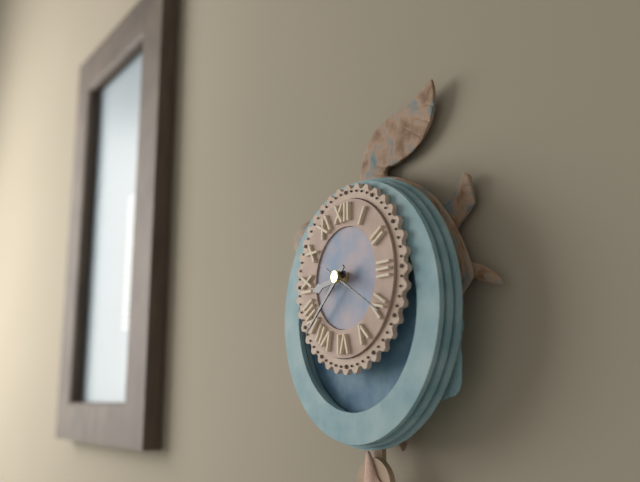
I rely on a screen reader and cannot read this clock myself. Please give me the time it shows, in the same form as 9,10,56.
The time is 8,38,20
